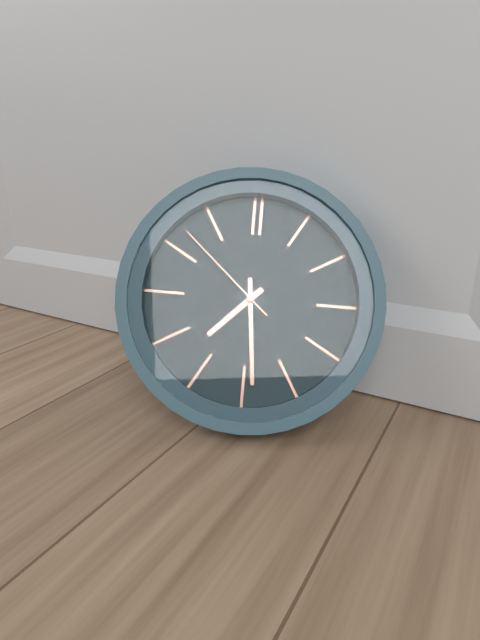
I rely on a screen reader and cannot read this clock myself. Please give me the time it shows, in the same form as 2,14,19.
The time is 7,29,52
